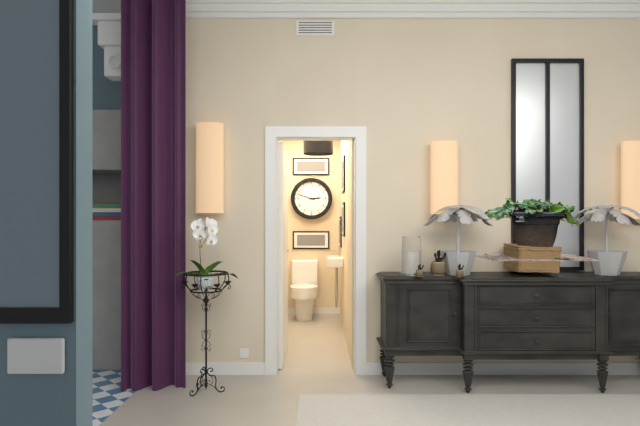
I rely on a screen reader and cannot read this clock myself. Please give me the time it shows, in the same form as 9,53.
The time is 2,48
